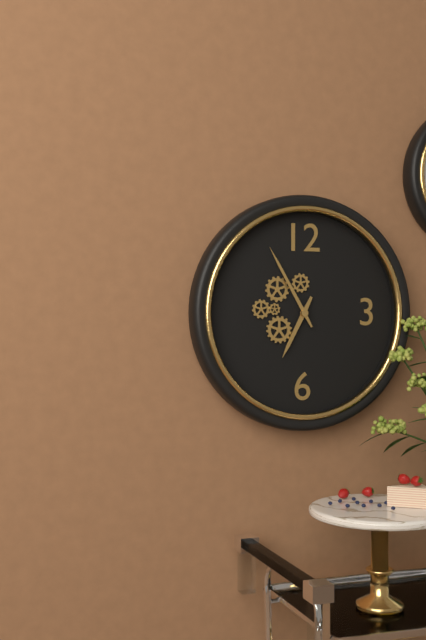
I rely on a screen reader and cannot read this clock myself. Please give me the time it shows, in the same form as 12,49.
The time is 6,55
